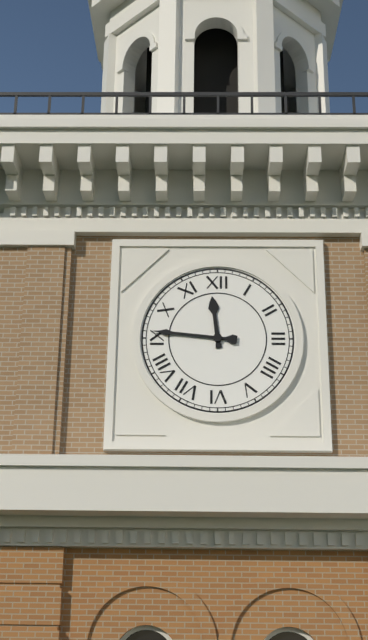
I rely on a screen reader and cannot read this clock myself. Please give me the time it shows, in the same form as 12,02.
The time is 11,46
